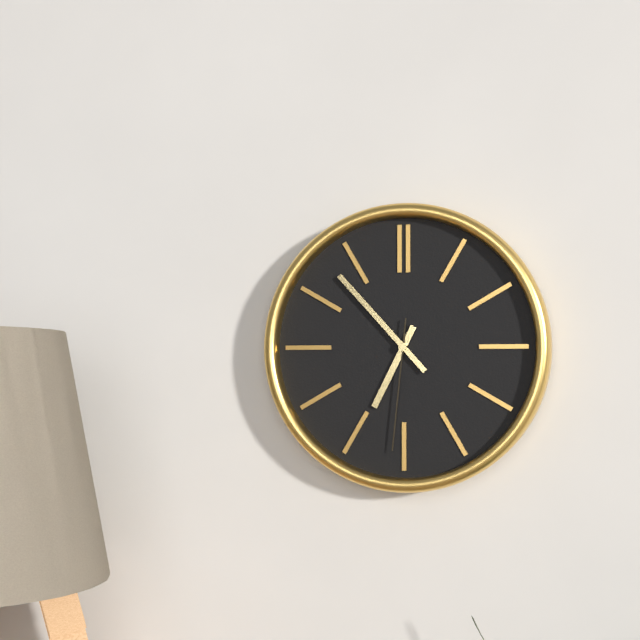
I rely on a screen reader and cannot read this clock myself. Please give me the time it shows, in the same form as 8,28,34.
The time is 6,53,31
